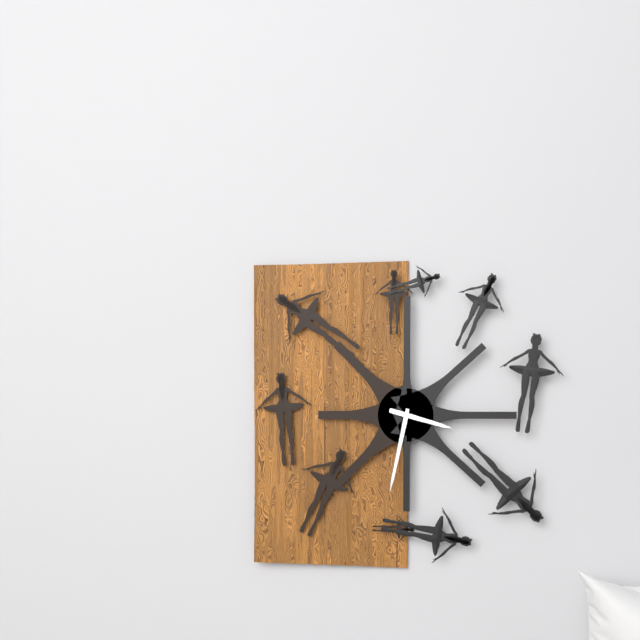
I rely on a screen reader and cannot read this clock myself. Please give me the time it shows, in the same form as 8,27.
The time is 3,32
